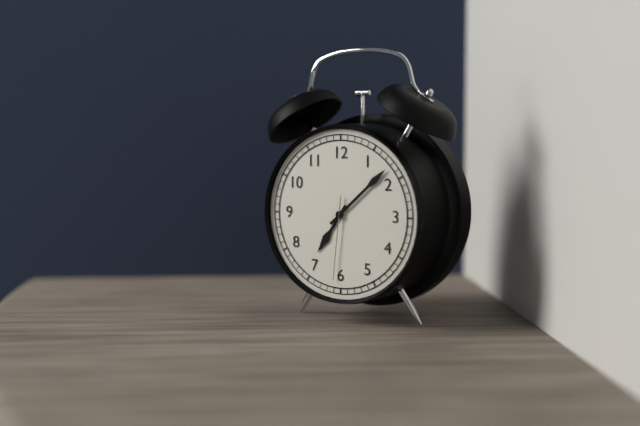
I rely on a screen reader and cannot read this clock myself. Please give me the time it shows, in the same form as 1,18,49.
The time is 7,08,31
